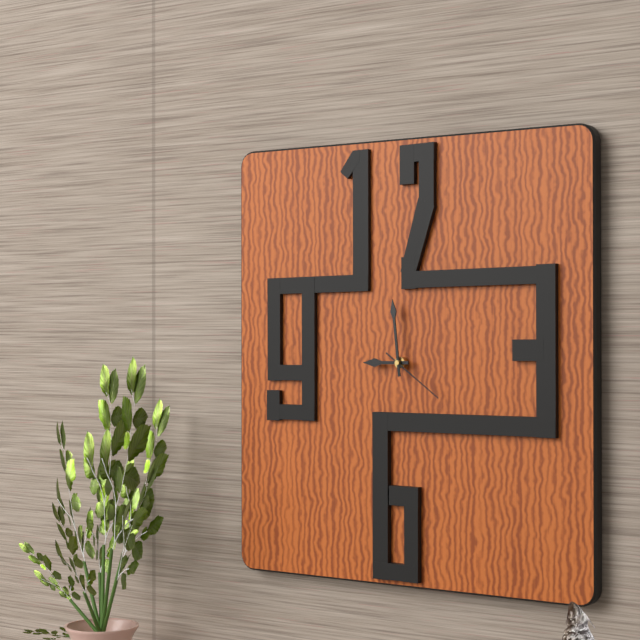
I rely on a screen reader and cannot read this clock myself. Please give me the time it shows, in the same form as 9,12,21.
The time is 8,59,21
